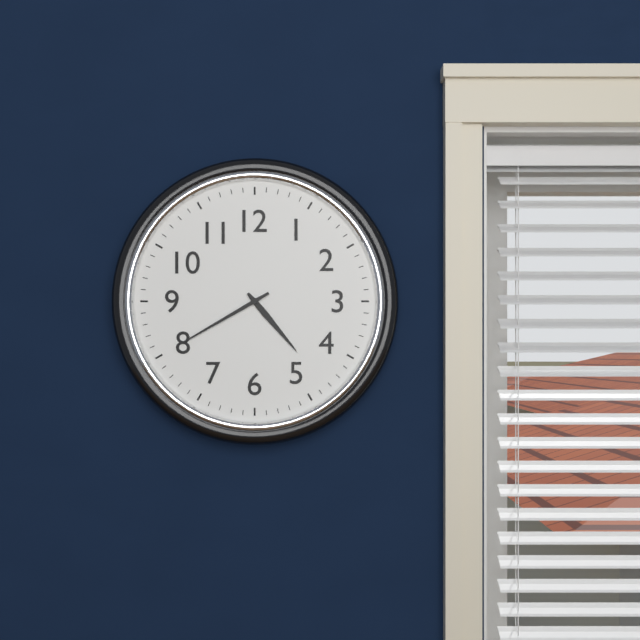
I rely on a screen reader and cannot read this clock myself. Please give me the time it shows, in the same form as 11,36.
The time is 4,40
